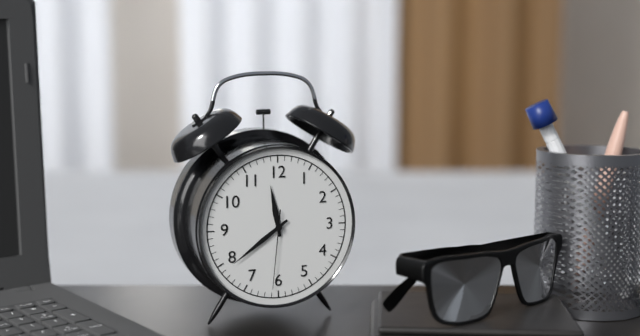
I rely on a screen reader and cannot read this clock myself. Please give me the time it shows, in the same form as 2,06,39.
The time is 11,39,31
